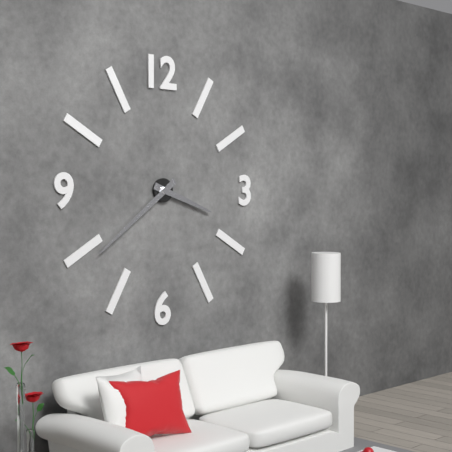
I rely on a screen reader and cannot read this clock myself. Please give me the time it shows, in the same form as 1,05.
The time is 3,39
